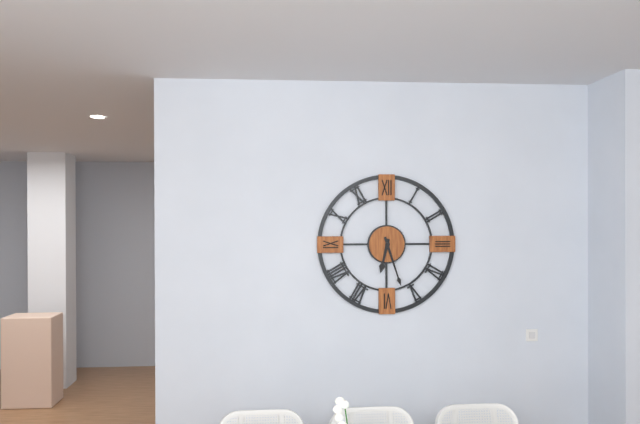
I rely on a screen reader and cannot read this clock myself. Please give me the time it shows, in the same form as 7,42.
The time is 6,27
